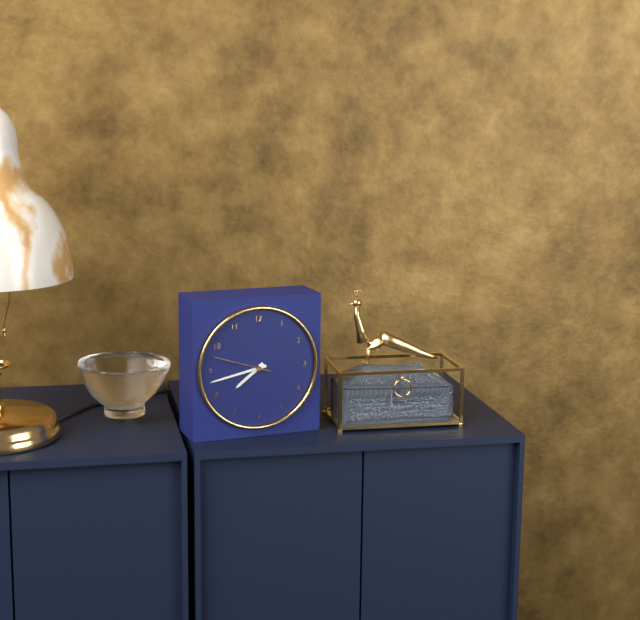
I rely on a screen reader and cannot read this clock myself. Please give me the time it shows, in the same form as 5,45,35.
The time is 7,43,48
